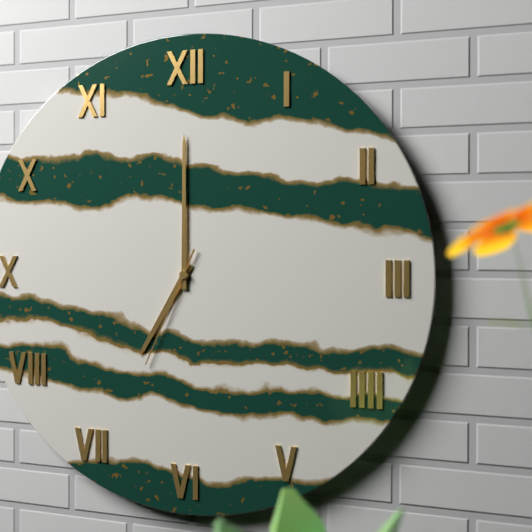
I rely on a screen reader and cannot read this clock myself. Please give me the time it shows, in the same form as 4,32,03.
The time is 7,00,34
